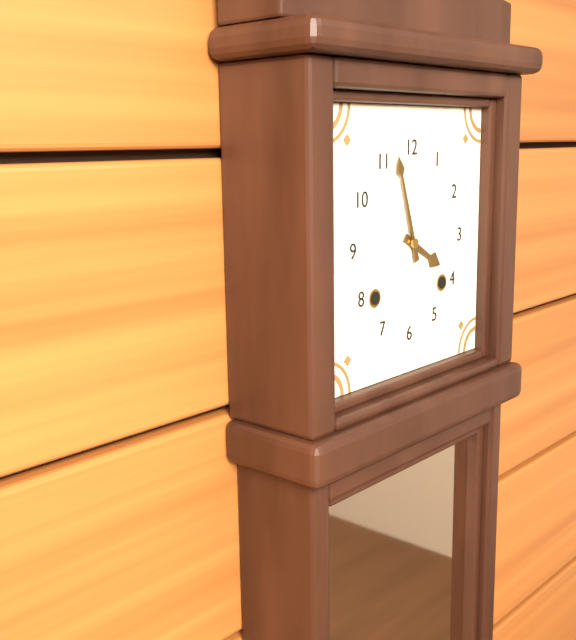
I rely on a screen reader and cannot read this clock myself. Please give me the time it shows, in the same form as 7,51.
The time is 3,57
